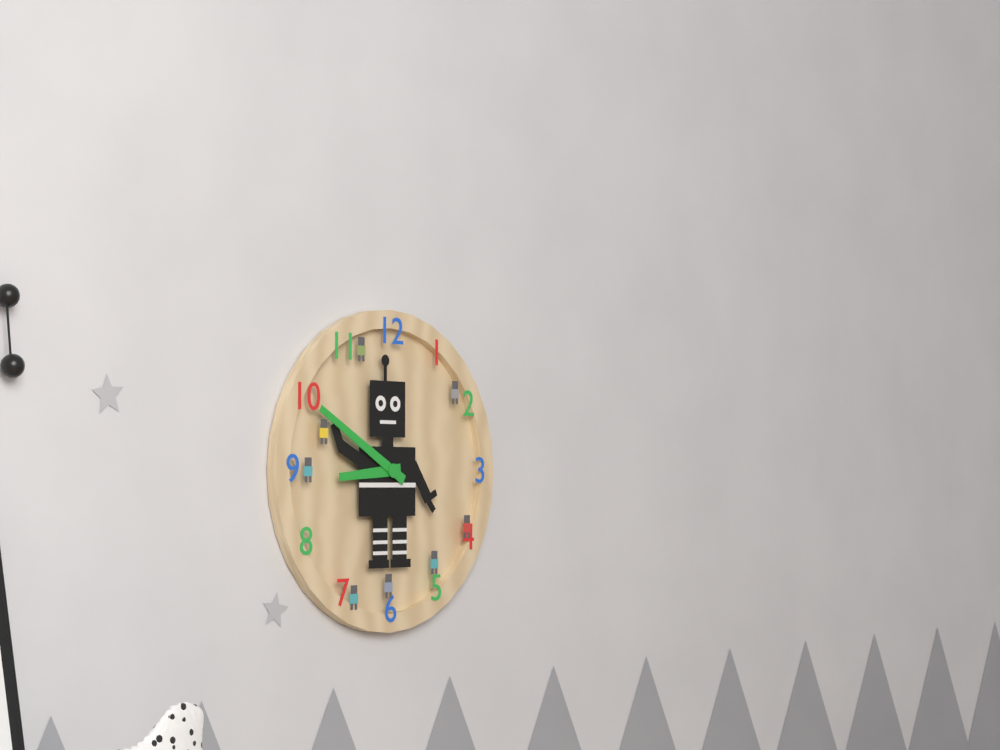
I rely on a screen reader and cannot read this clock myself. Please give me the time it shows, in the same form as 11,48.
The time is 8,50
